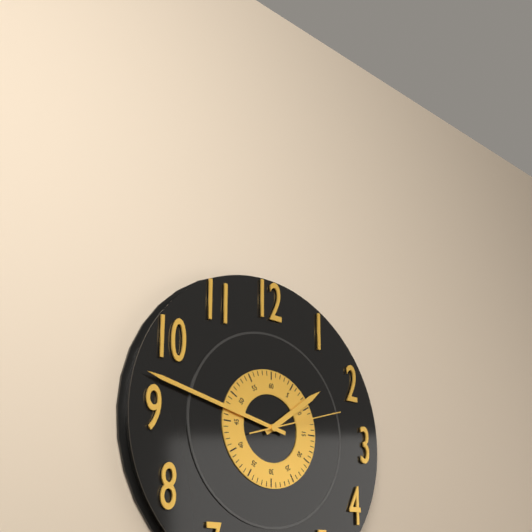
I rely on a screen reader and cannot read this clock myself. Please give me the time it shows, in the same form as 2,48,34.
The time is 1,47,12
